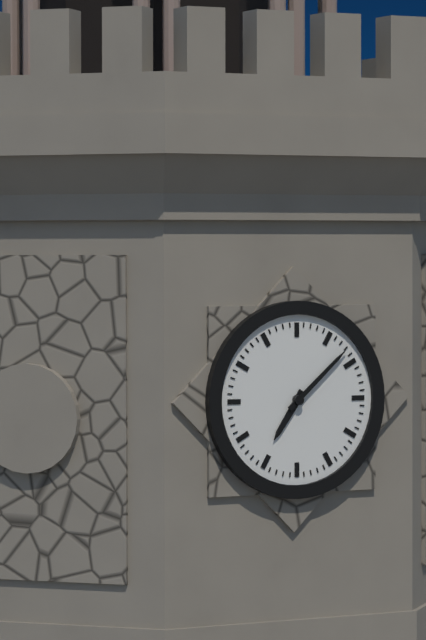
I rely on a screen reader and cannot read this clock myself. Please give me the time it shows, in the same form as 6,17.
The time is 7,08
